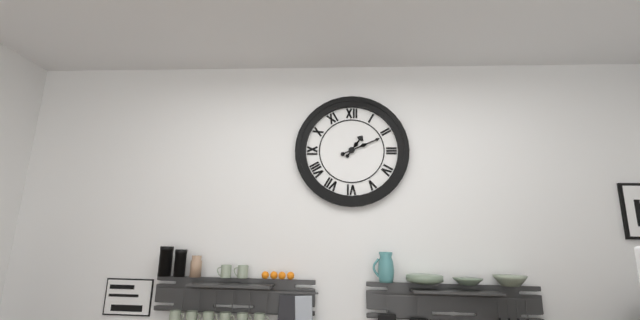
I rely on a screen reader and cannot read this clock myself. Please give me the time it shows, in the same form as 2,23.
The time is 1,11
